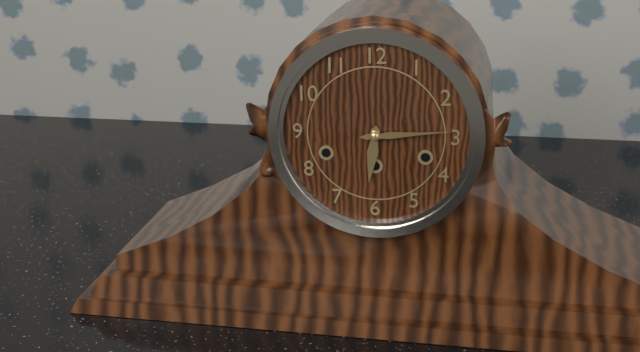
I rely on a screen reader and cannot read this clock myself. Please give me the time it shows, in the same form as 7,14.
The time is 6,14
